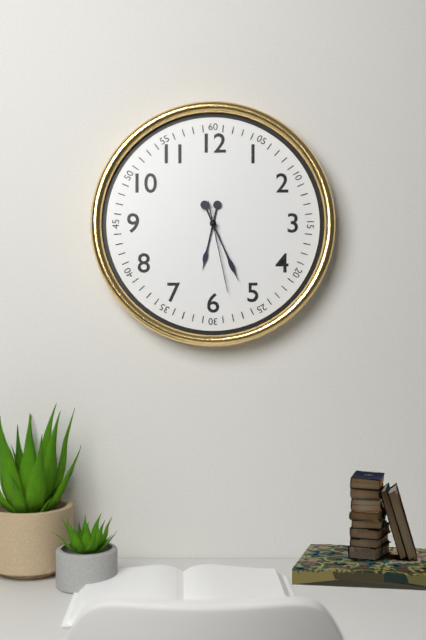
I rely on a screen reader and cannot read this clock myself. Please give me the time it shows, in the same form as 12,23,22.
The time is 6,26,28
